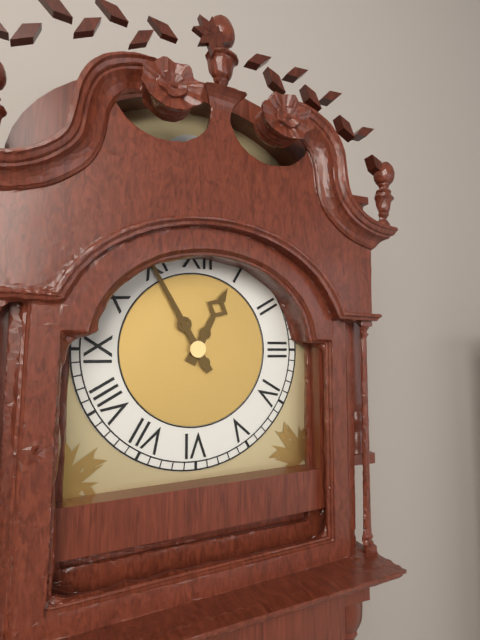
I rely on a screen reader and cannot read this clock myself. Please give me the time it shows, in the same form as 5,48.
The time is 12,55
